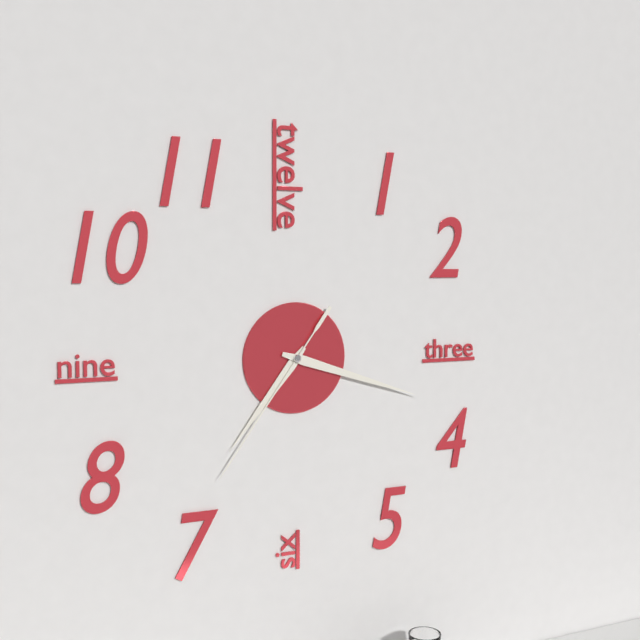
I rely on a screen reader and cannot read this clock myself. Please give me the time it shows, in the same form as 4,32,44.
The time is 7,18,36
